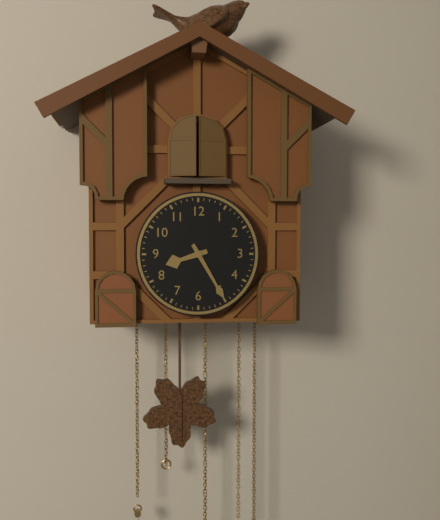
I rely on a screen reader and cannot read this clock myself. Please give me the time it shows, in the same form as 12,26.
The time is 8,25
